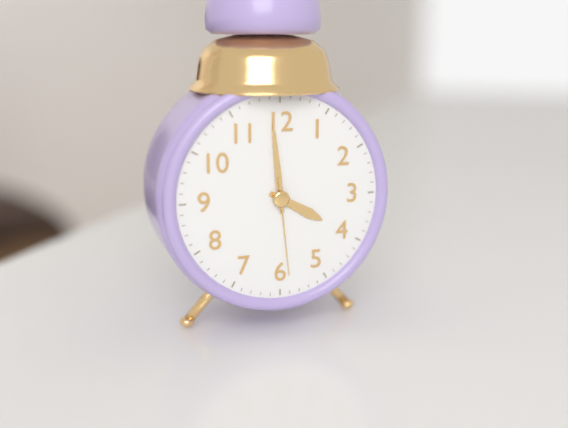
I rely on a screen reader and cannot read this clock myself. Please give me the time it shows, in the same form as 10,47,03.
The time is 3,59,29
